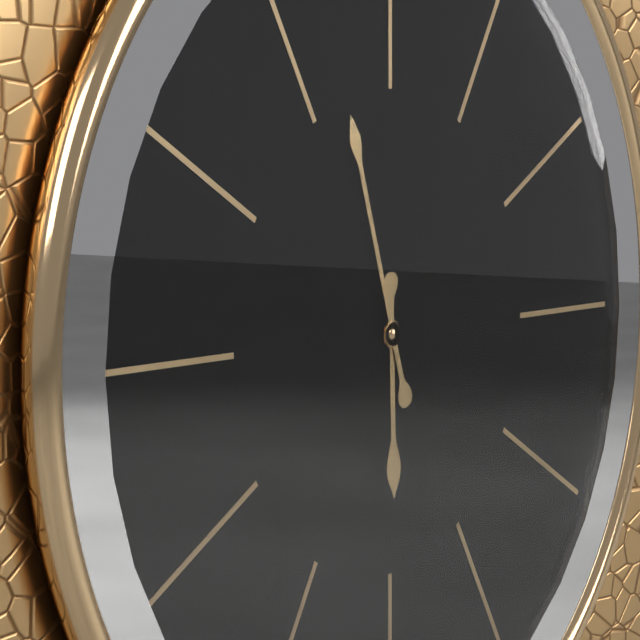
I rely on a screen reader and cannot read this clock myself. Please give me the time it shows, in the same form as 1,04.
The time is 5,57
